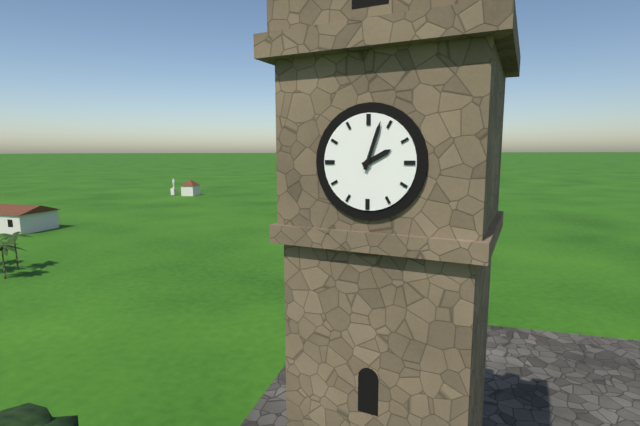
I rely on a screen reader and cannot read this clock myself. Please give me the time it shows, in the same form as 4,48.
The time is 2,03
